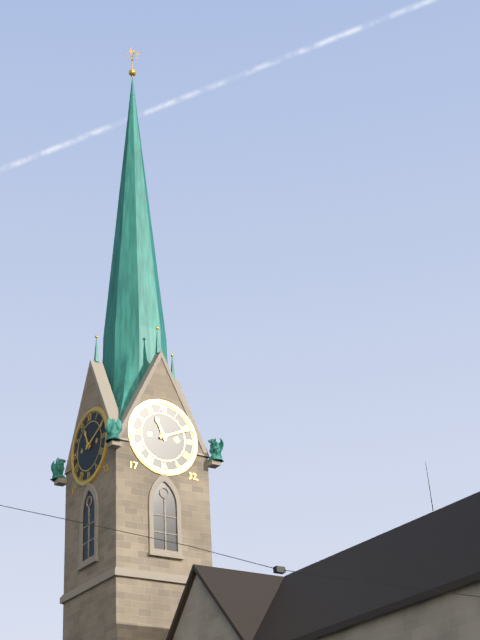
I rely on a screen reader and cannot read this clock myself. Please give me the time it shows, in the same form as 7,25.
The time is 11,11
